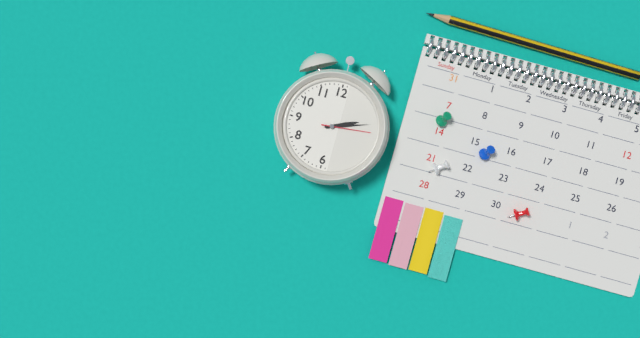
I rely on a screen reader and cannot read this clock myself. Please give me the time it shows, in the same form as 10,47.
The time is 2,12
